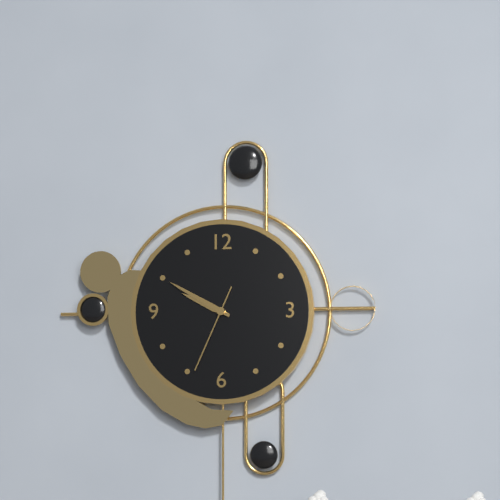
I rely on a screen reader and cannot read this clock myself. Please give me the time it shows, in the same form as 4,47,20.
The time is 9,50,34
